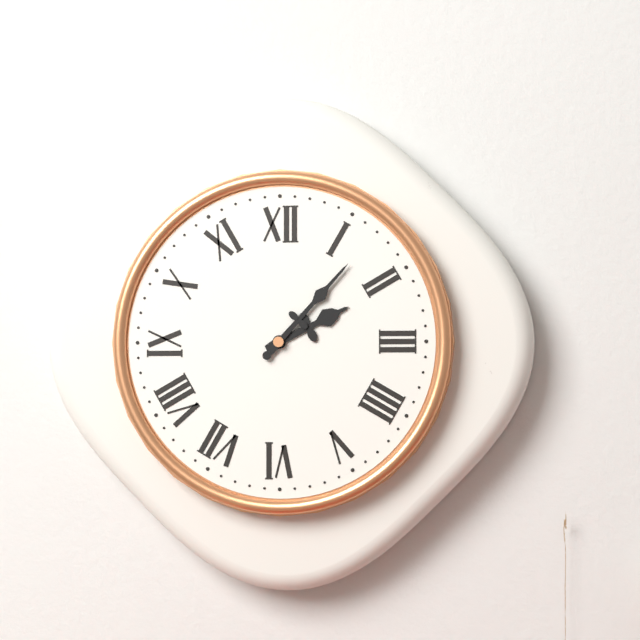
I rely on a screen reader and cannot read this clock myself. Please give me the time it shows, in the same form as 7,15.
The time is 2,07
